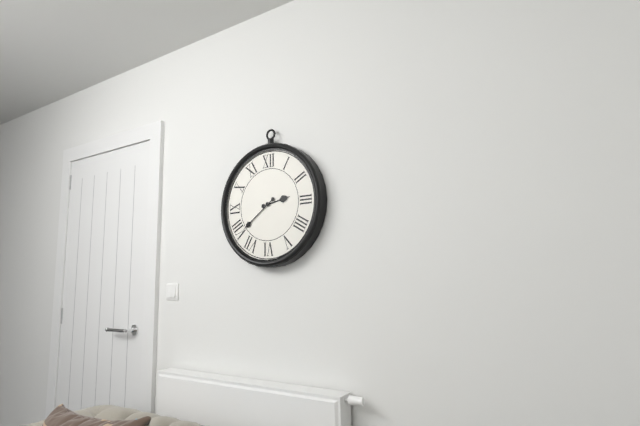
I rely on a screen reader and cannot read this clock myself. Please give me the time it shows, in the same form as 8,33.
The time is 2,39
